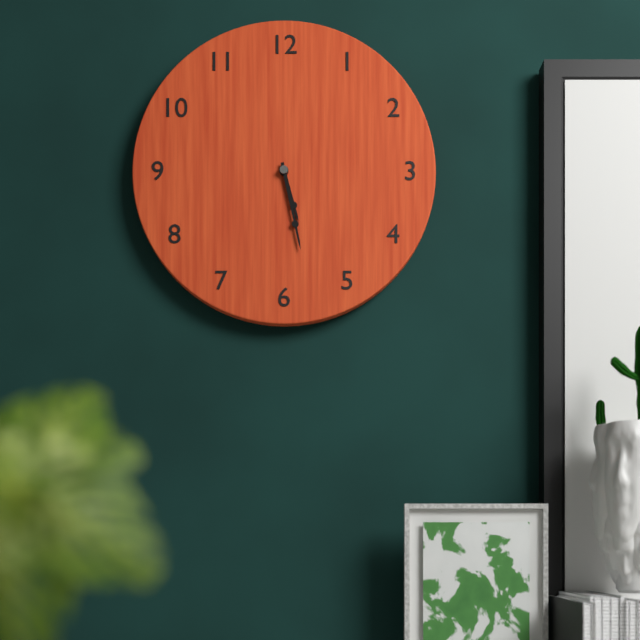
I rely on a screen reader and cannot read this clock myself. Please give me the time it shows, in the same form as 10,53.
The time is 5,28
